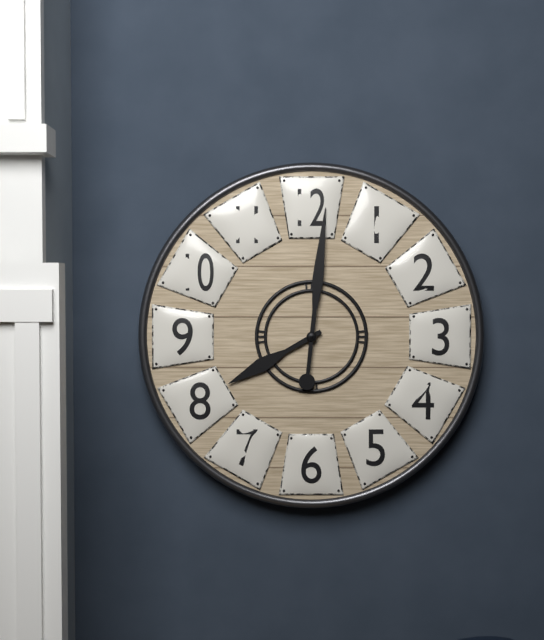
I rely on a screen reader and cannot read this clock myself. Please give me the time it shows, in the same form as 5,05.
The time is 8,01
